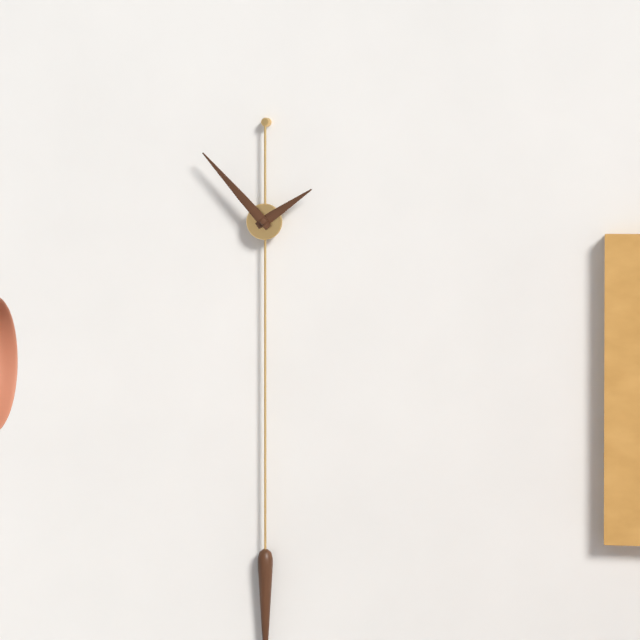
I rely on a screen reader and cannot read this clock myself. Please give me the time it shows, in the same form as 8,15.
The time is 1,53
